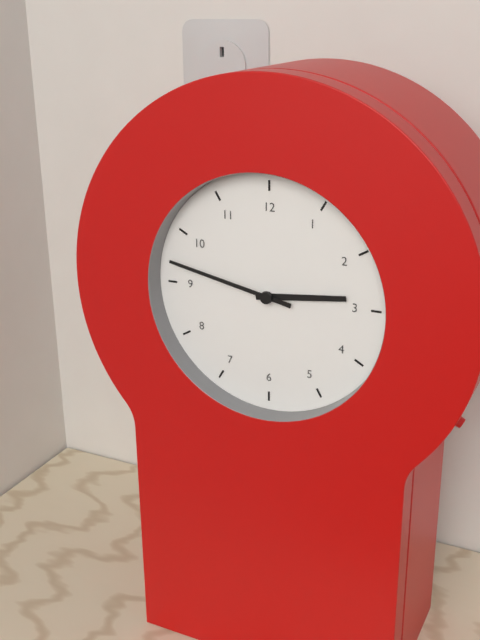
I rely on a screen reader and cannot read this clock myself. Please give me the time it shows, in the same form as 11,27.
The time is 2,47
